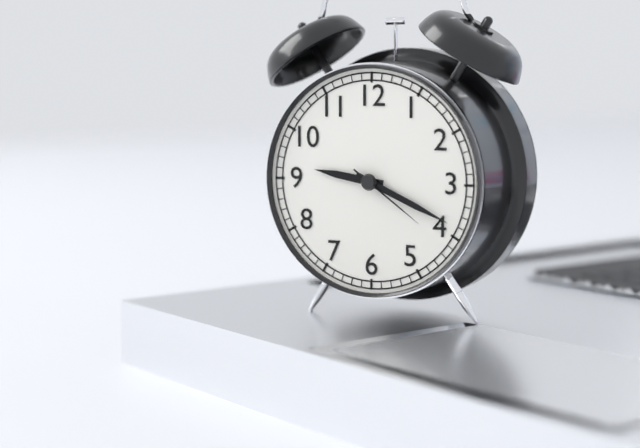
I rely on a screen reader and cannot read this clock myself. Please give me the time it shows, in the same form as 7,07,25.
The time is 9,19,21
